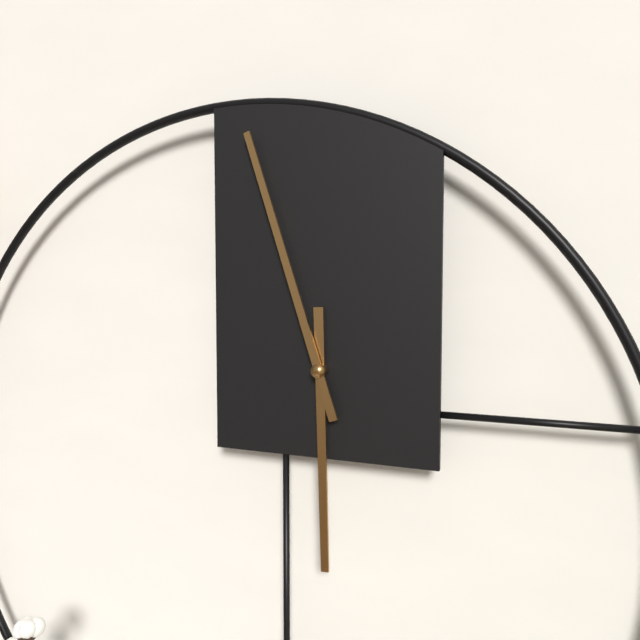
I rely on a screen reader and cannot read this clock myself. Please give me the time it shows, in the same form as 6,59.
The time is 5,57
